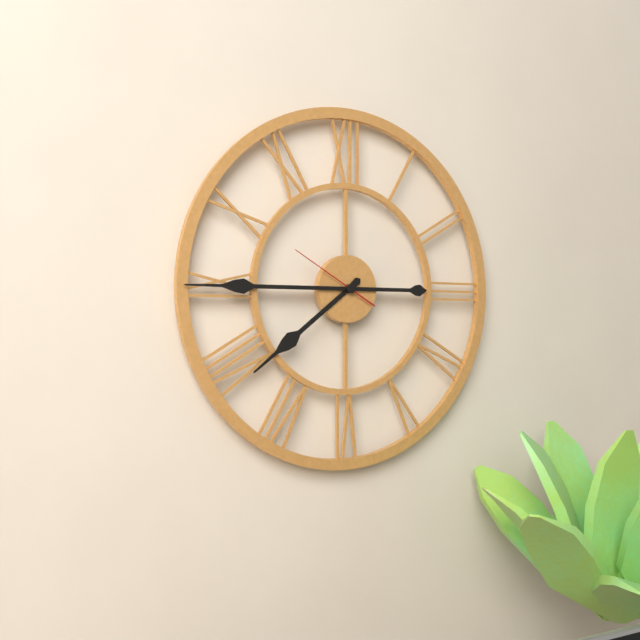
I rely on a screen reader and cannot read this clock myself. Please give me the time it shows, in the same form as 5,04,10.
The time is 7,45,50
